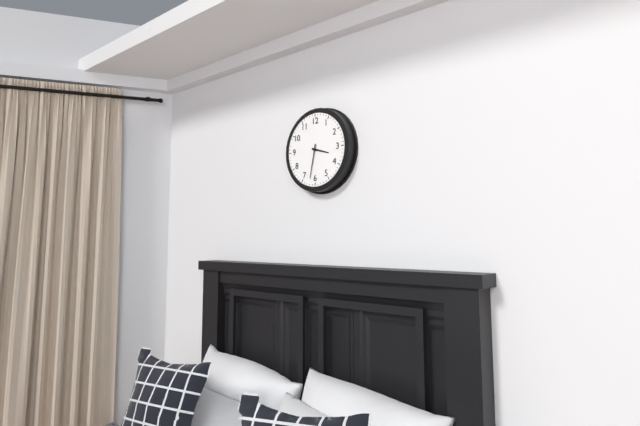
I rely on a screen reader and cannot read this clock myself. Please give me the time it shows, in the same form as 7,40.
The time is 3,32
